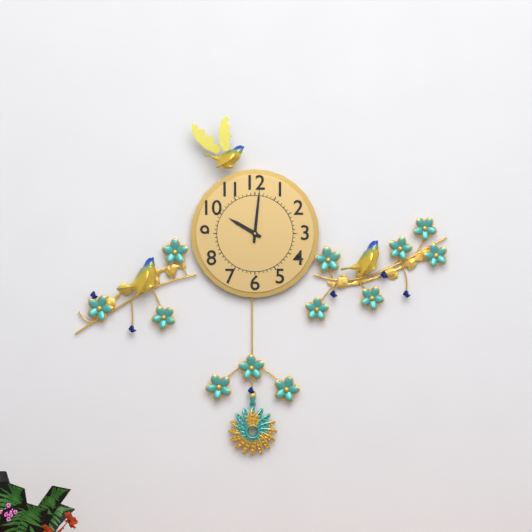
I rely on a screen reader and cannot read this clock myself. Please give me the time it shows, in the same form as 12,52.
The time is 10,01
